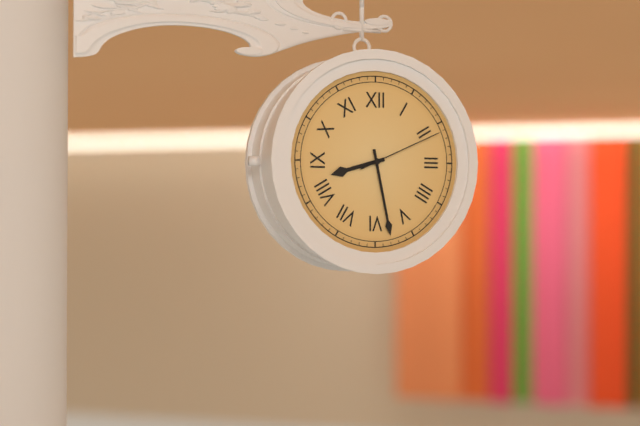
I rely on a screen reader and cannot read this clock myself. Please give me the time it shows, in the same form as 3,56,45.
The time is 8,28,11
